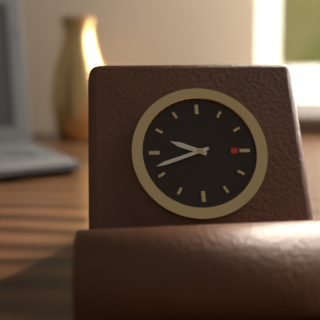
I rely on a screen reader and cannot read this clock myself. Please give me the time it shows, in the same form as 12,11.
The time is 9,42
